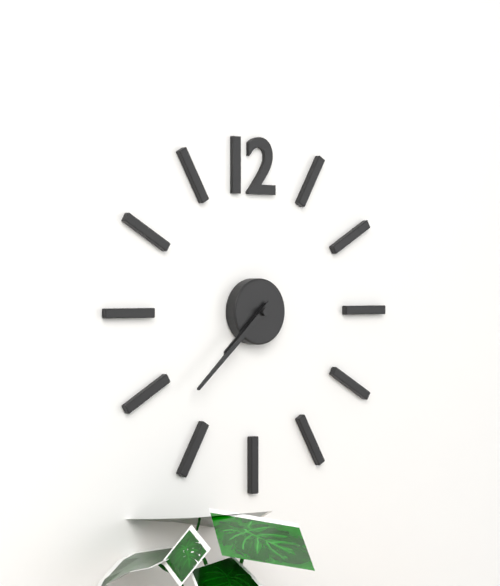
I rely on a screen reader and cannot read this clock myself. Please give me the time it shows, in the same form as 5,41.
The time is 7,38
